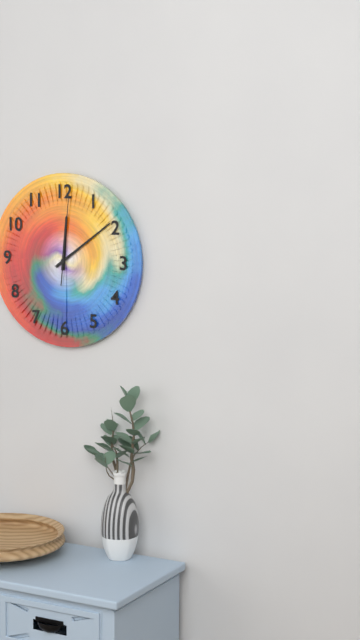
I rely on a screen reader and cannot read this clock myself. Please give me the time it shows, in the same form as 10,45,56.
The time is 12,09,01
